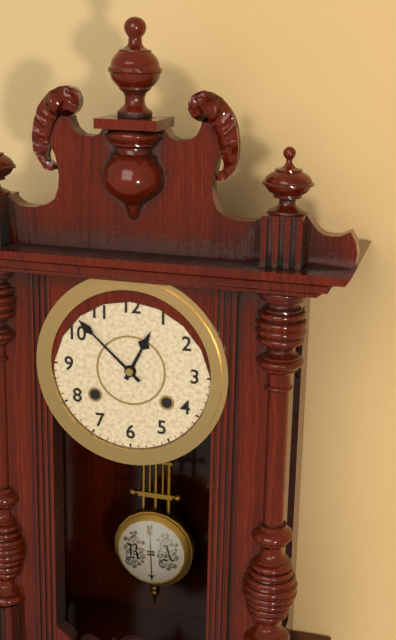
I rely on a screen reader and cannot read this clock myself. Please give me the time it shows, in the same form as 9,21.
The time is 12,52
